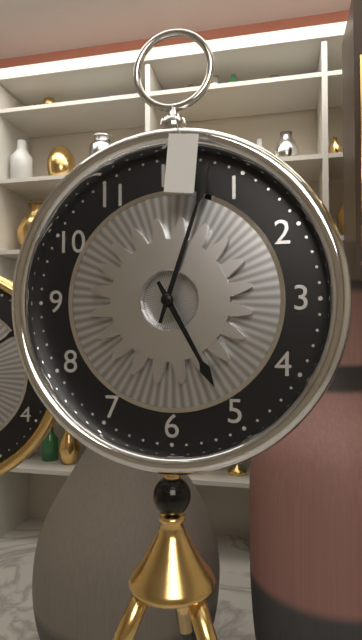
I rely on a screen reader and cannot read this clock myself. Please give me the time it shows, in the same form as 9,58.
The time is 5,03
